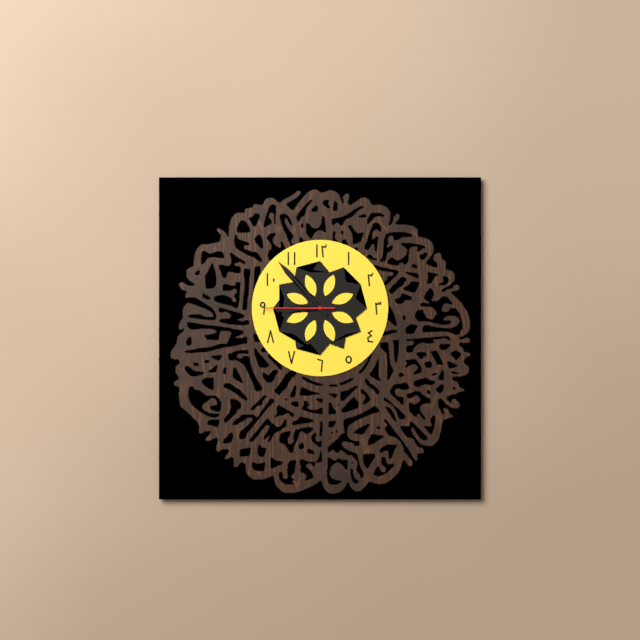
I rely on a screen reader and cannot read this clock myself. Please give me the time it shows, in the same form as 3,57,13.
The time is 8,53,45
